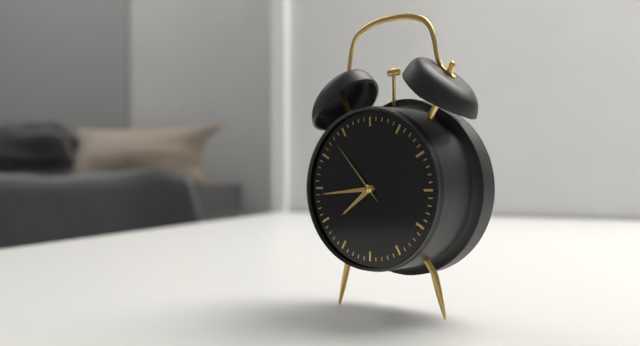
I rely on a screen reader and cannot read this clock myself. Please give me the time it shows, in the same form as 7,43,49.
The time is 7,44,53
